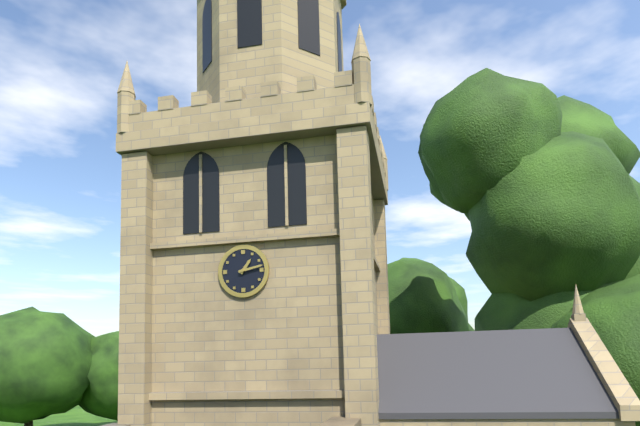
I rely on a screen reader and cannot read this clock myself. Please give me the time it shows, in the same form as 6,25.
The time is 1,13
